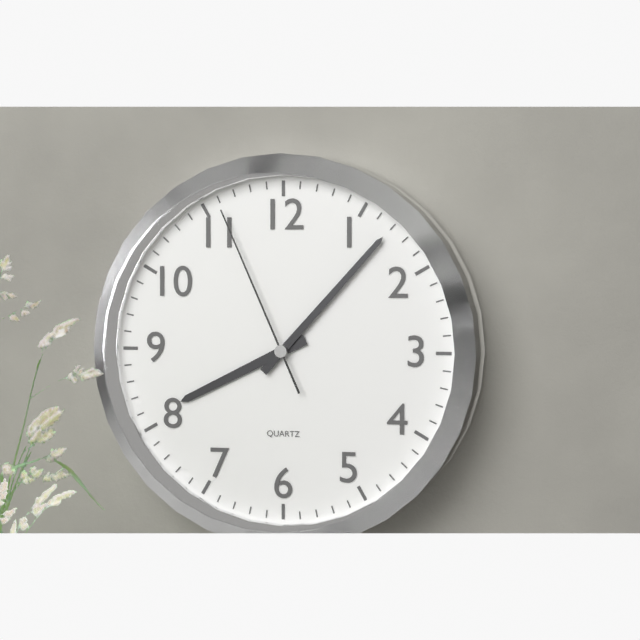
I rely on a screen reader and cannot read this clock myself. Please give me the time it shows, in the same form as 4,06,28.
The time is 8,07,56
